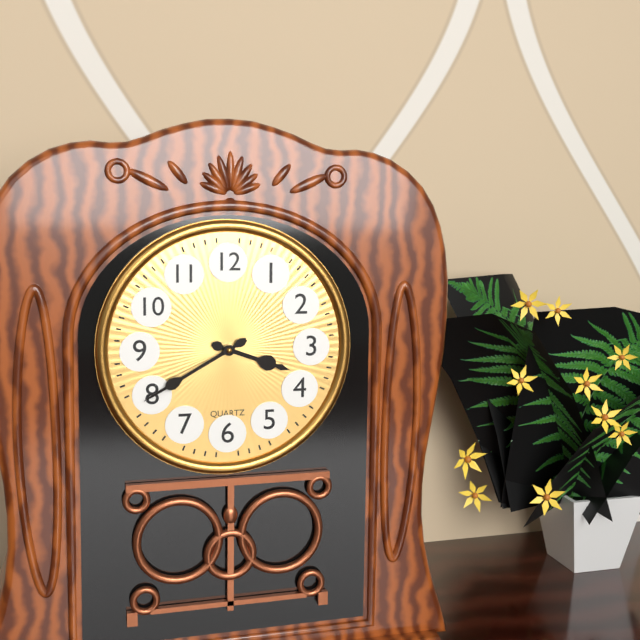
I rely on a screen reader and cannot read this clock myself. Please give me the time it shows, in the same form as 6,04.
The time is 3,40
